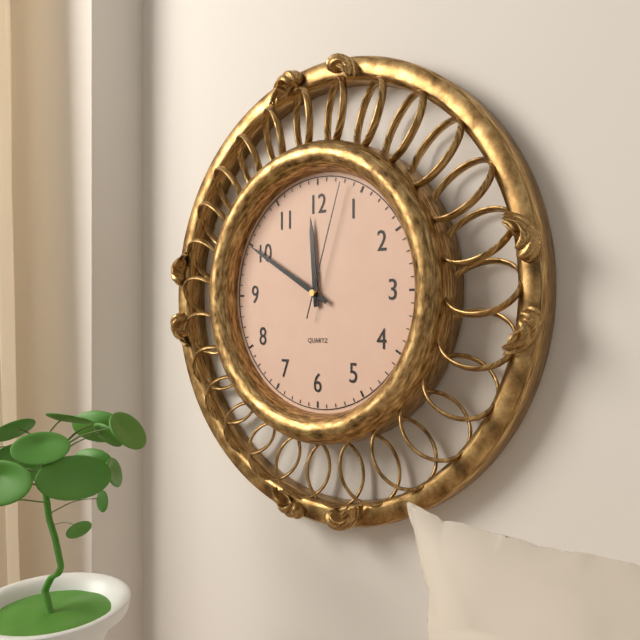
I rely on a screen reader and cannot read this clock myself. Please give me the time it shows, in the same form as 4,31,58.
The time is 11,50,03
